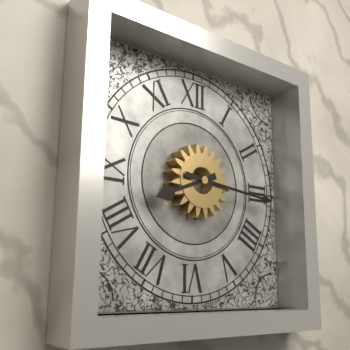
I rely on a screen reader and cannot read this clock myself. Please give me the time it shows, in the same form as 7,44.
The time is 8,16
